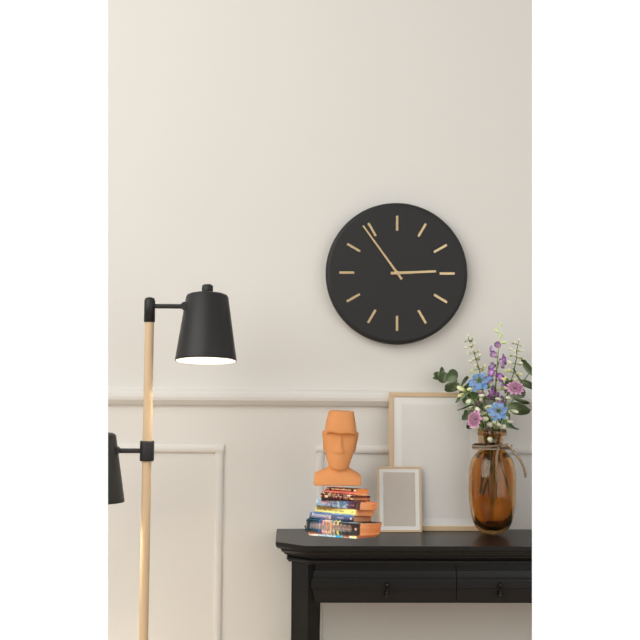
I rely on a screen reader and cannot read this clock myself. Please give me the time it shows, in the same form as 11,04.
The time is 2,54
